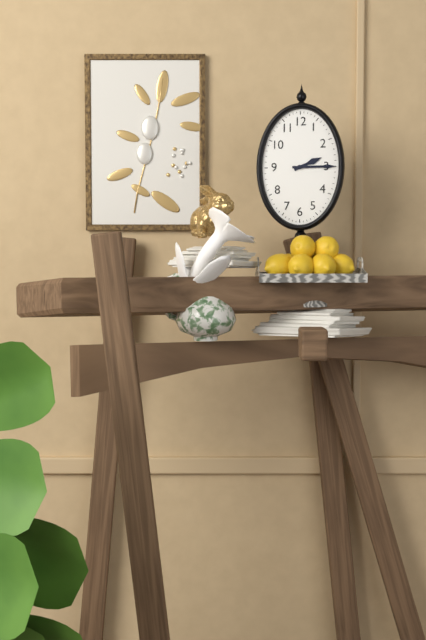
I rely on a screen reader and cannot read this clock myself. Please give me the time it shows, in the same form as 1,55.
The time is 2,15
